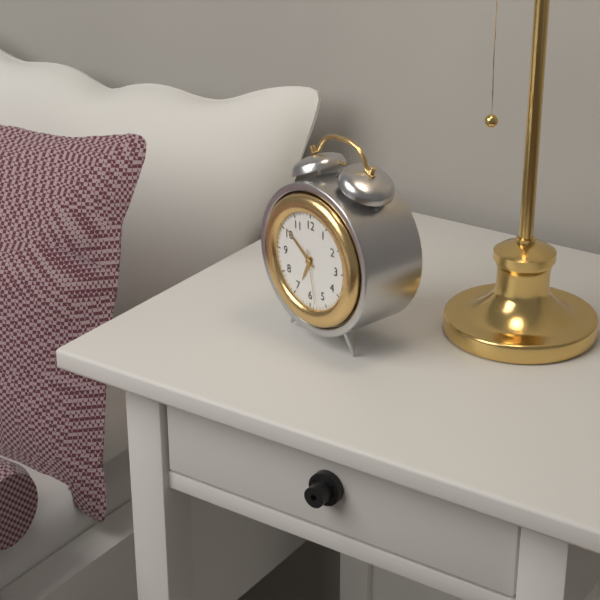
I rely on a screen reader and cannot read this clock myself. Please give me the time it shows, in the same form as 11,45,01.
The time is 6,51,28
